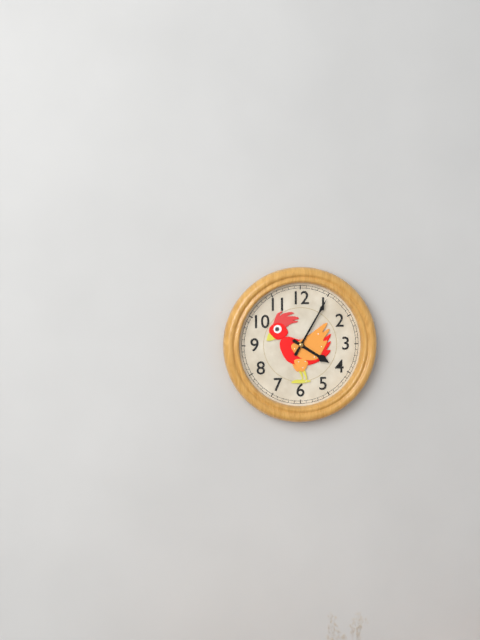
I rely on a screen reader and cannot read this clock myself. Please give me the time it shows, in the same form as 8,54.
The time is 4,05
